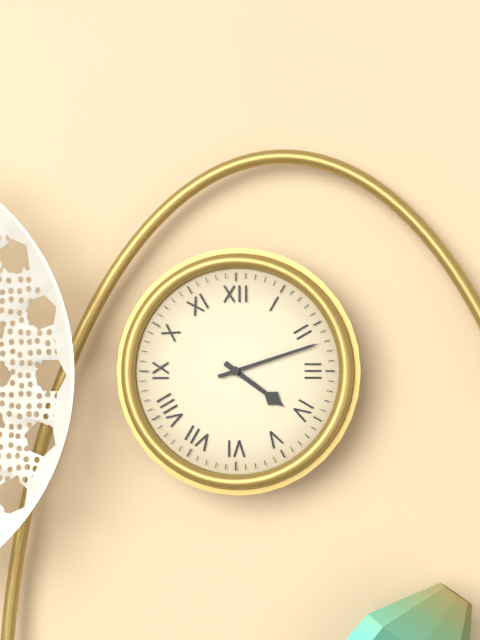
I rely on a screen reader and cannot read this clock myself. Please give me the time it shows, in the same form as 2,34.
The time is 4,12
